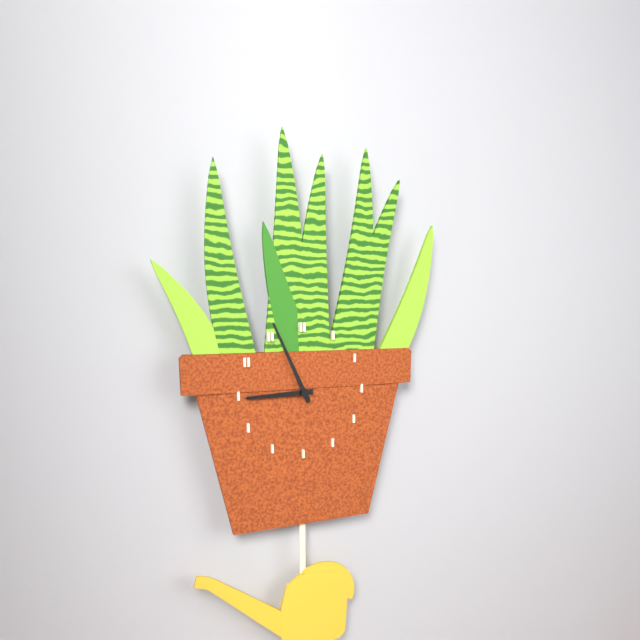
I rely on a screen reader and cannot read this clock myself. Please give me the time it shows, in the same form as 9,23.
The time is 8,56
